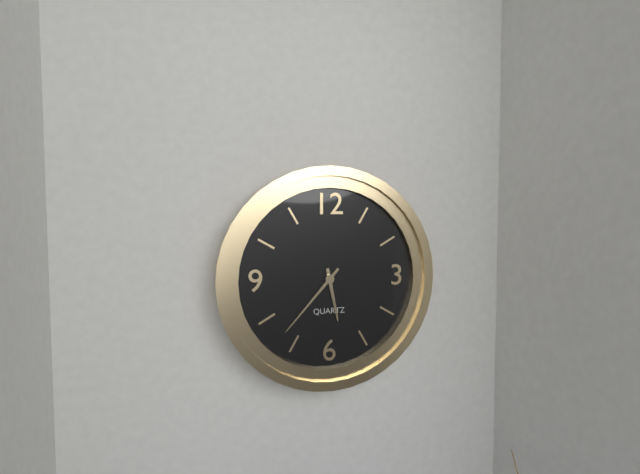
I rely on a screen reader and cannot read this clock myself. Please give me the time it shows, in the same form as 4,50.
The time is 5,37
